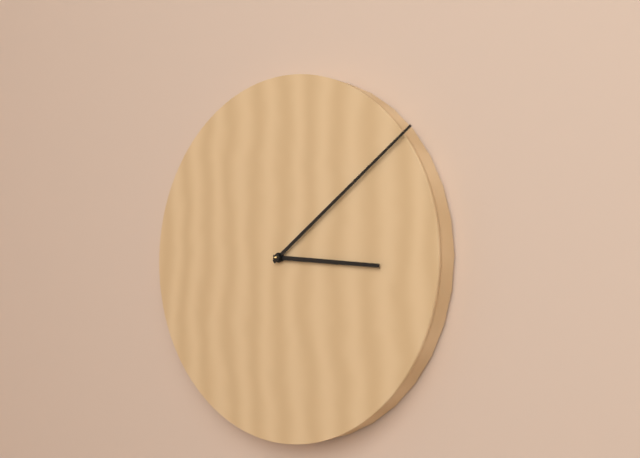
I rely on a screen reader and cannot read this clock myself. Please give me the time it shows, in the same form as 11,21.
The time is 3,09
